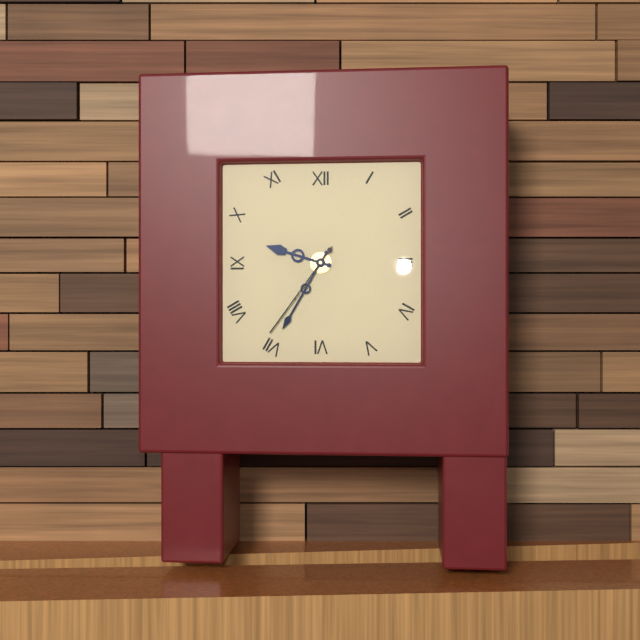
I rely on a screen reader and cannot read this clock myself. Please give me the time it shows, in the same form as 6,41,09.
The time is 9,35,36
